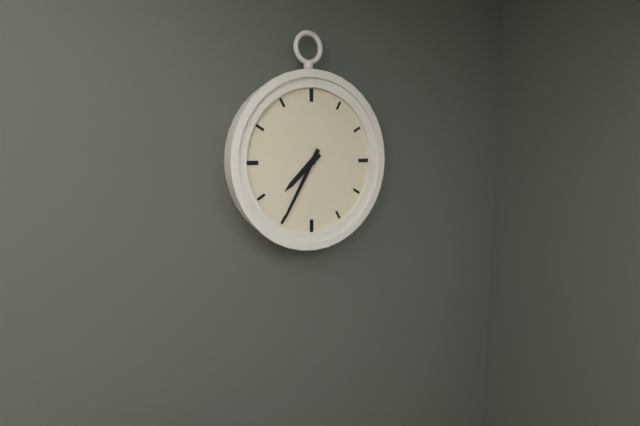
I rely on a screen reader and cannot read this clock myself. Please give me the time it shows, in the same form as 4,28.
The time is 7,35
